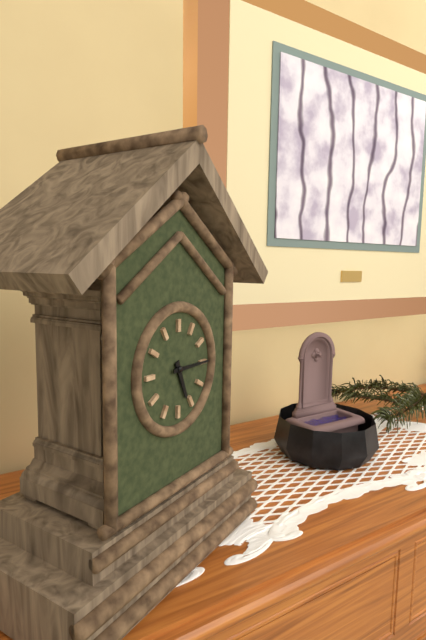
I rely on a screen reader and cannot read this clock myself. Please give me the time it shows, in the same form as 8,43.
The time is 5,15
